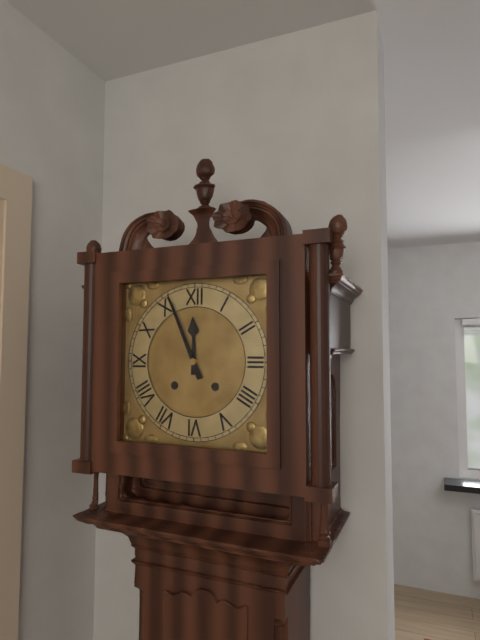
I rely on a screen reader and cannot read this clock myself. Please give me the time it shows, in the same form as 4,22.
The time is 11,56
